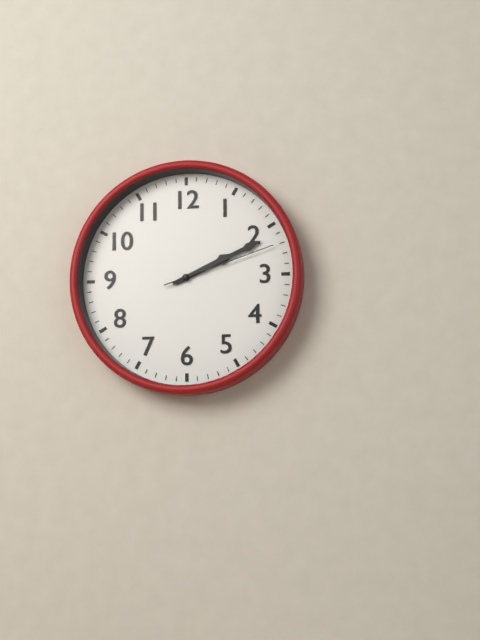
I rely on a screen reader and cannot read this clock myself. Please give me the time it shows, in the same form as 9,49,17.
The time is 2,11,12
